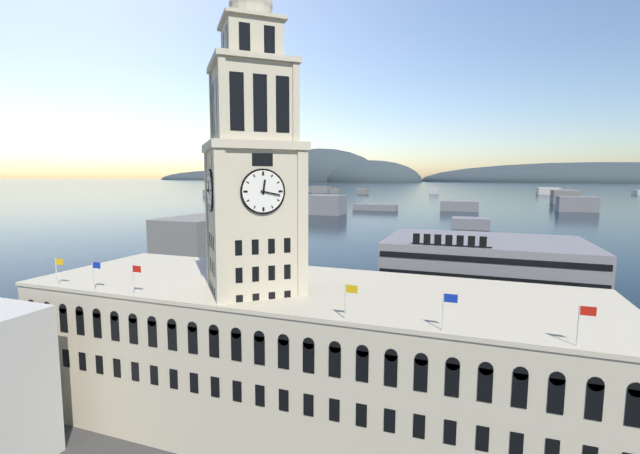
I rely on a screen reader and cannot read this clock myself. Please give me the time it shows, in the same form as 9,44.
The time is 12,17
